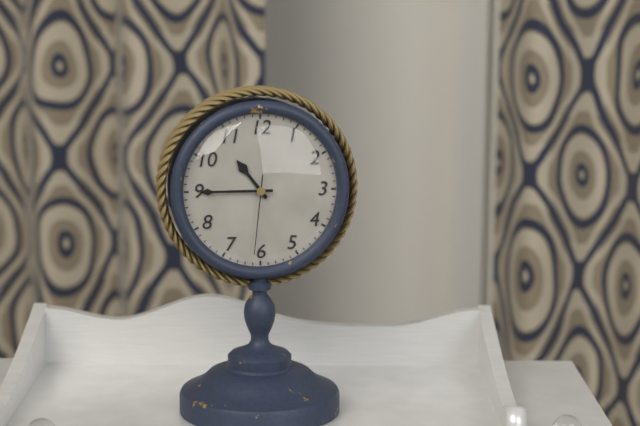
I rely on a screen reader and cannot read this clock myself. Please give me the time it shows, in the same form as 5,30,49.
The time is 10,45,31
